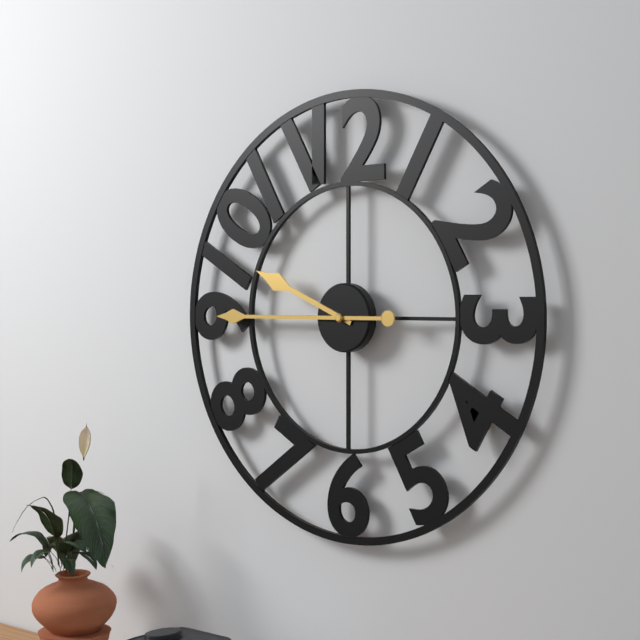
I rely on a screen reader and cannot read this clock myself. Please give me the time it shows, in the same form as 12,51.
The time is 9,45
